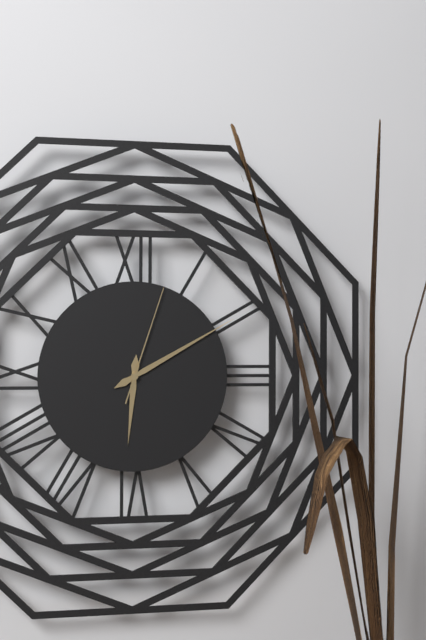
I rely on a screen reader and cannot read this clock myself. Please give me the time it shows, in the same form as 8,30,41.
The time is 6,10,03
